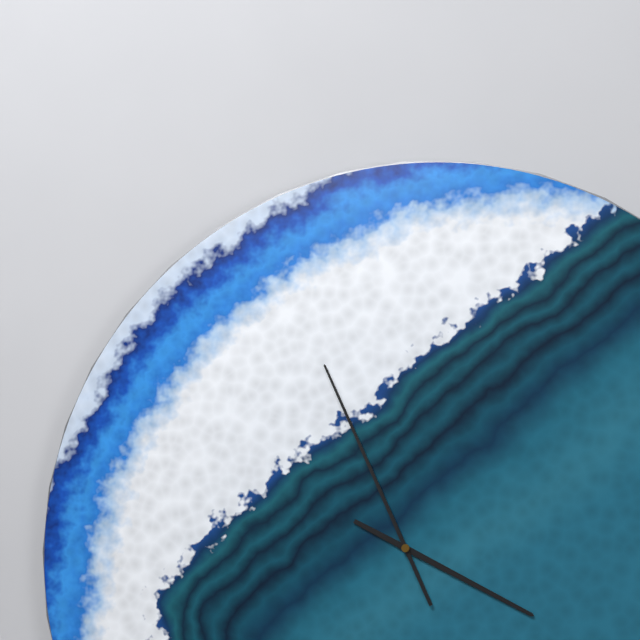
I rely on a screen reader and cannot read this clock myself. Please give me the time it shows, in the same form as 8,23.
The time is 3,56
